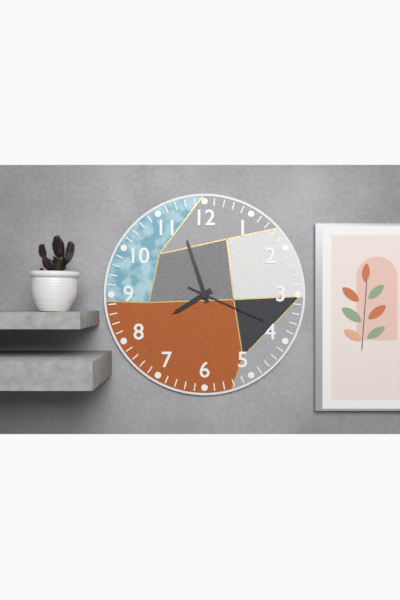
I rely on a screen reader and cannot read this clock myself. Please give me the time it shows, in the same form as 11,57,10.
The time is 7,57,19
